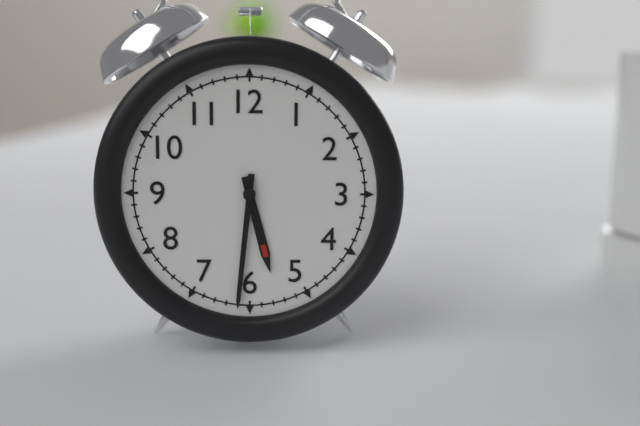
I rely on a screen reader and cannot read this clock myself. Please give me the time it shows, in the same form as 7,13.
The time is 5,31
